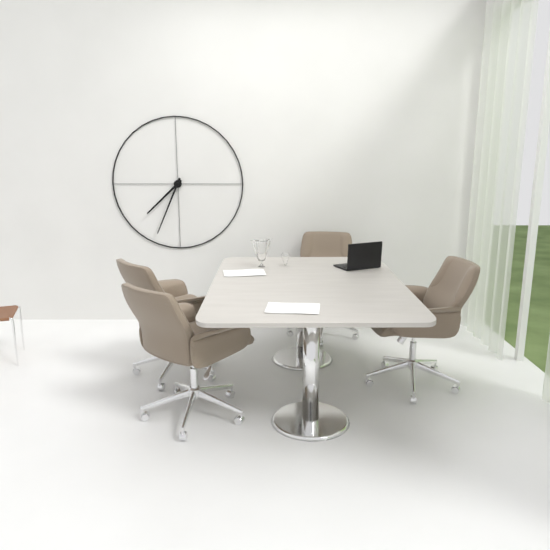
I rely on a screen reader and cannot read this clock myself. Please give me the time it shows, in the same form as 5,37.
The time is 7,34
